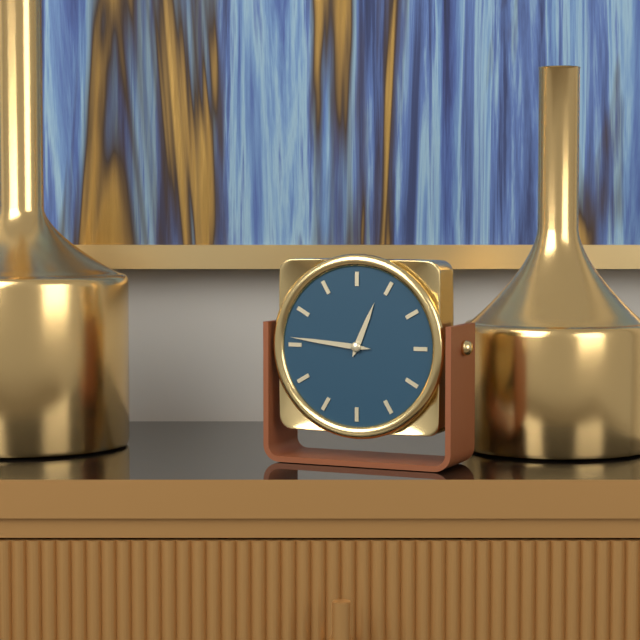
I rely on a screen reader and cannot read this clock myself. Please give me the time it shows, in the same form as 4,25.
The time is 12,46
